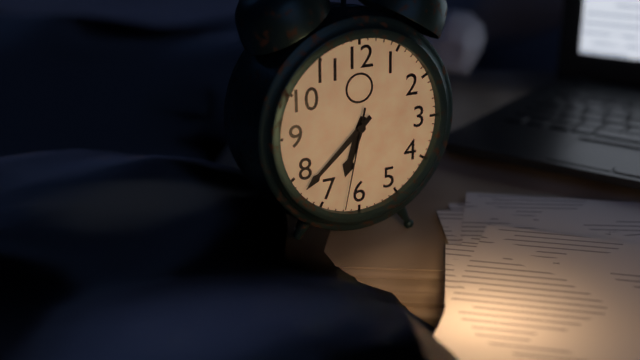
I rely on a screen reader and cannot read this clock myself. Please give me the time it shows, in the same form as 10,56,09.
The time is 6,38,32
